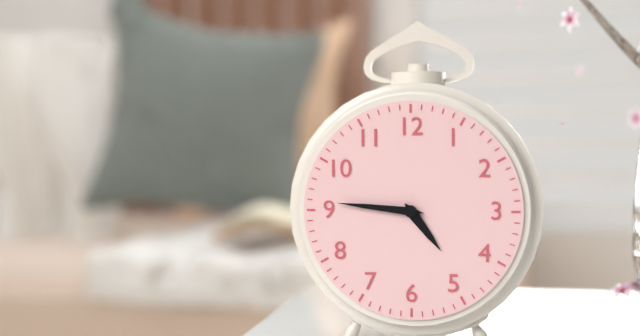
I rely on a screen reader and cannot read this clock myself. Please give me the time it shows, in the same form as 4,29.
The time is 4,46
